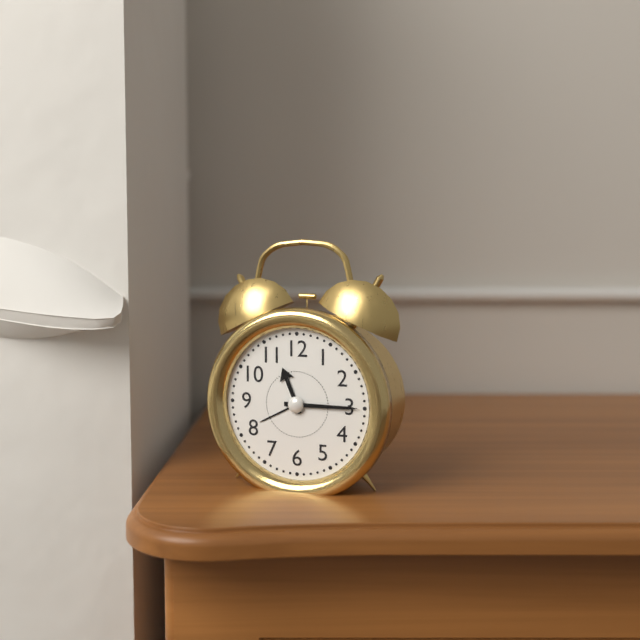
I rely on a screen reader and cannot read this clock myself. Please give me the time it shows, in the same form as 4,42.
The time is 11,15
